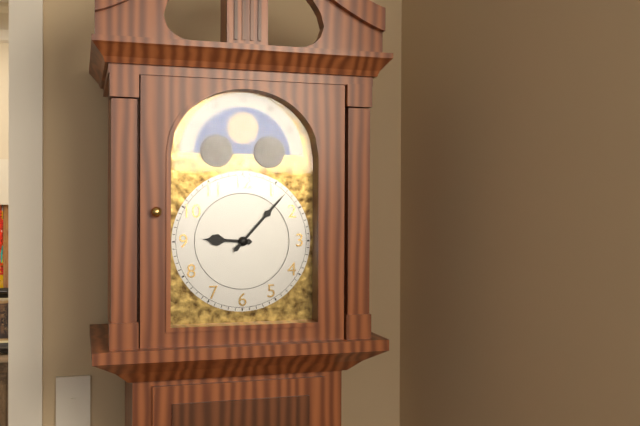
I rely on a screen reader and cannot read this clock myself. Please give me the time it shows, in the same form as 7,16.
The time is 9,07
